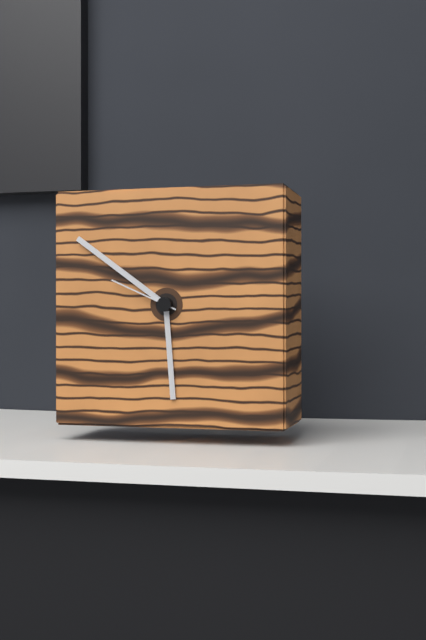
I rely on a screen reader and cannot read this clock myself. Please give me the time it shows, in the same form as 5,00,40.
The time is 5,51,49
